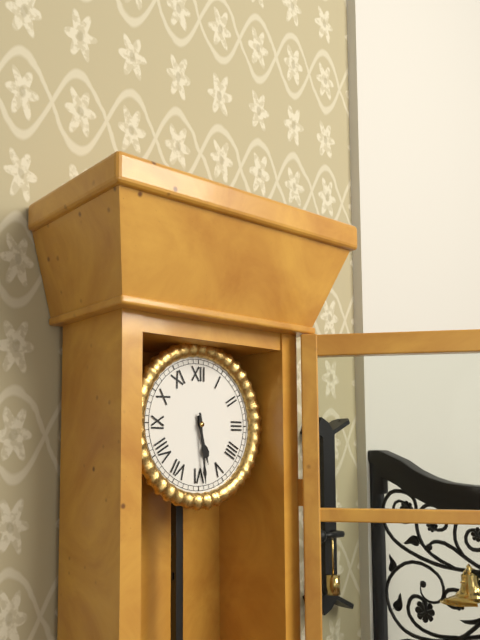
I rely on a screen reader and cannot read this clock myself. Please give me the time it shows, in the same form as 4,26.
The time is 5,29
